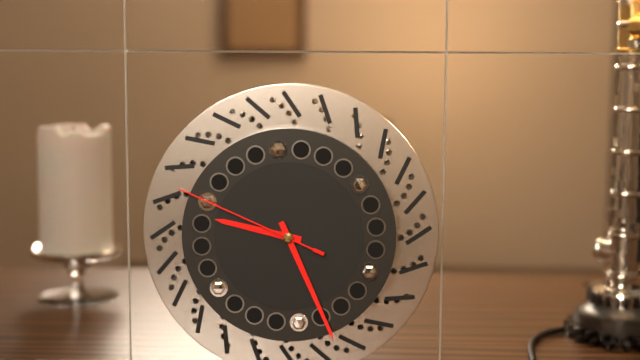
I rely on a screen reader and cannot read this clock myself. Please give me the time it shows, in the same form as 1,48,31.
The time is 9,26,49
